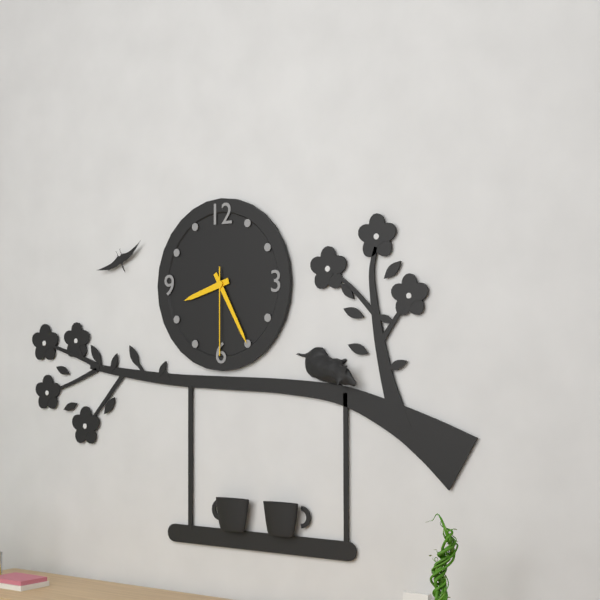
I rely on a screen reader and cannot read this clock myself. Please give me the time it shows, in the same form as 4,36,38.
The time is 8,25,30
